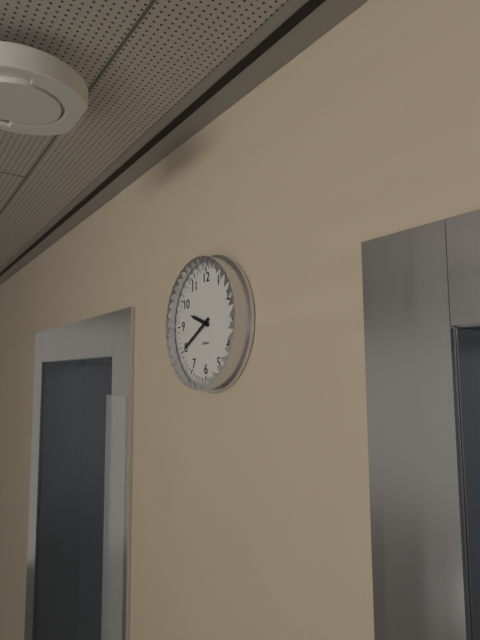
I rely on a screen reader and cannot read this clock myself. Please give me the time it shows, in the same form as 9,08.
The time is 9,40
